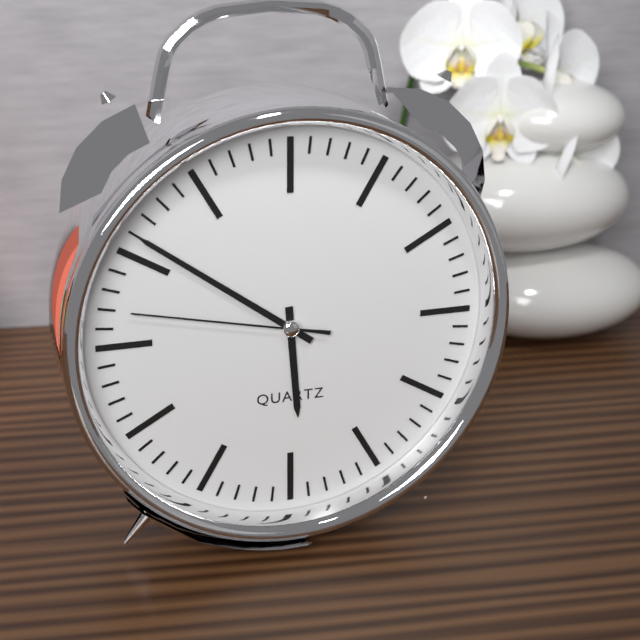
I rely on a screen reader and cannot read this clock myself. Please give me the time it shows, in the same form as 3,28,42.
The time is 5,51,47
